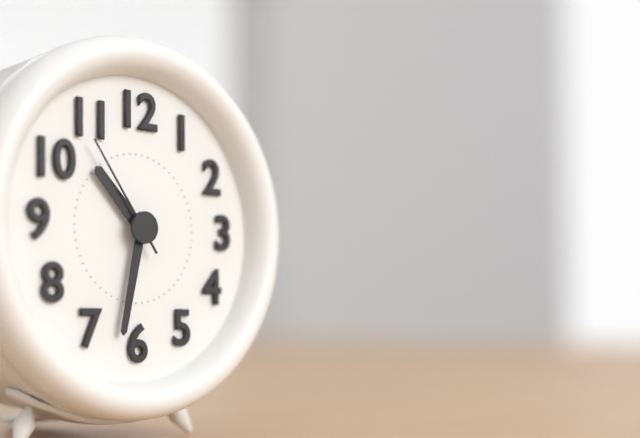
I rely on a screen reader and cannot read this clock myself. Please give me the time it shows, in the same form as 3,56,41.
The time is 10,32,54
